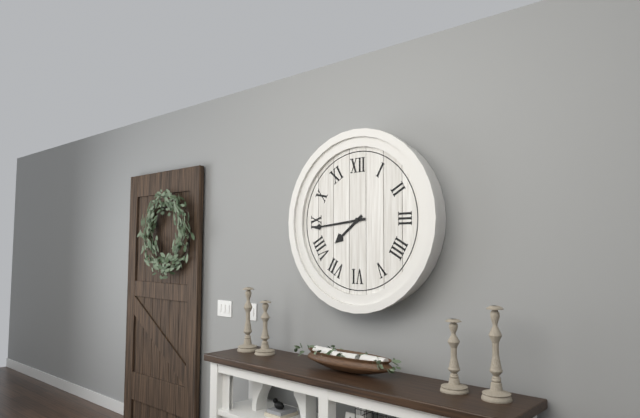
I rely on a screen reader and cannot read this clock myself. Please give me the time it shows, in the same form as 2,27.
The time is 7,44
